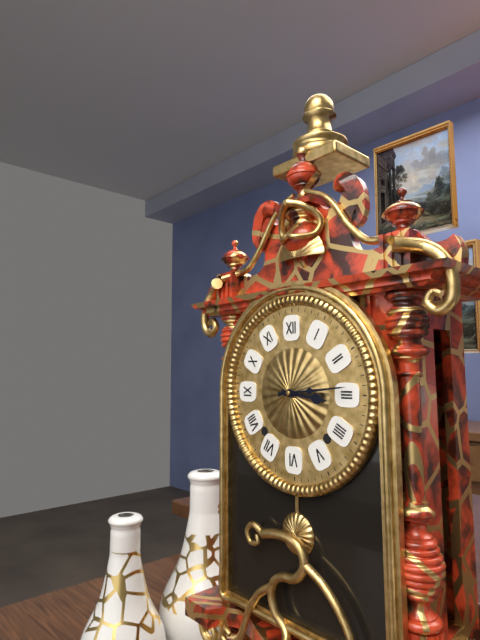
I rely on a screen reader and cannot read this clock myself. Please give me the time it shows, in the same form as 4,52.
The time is 3,14
